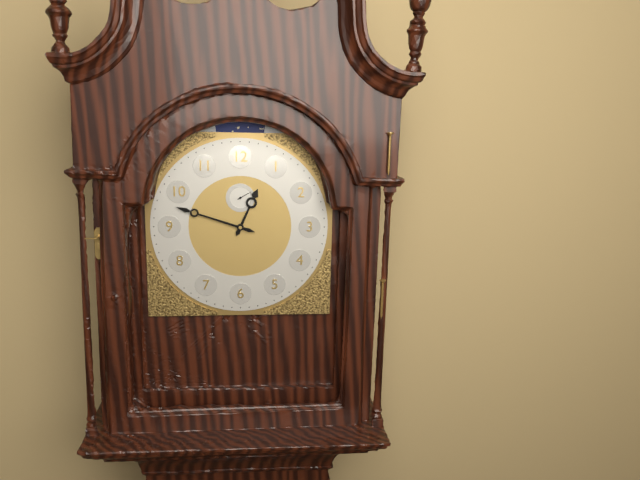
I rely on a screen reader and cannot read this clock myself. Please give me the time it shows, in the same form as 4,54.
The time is 12,48
